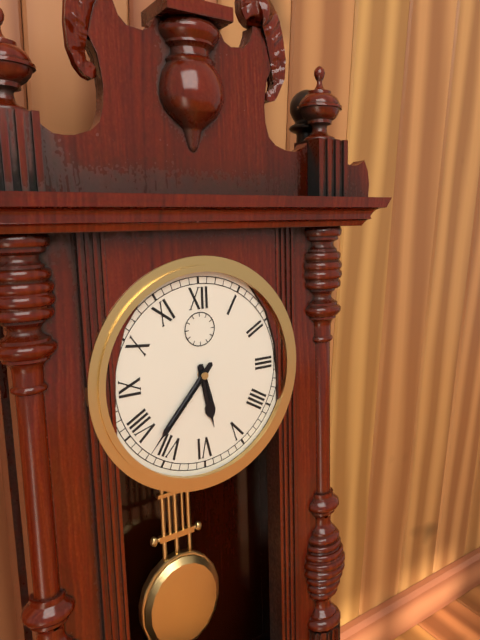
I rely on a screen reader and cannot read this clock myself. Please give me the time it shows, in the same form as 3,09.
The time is 5,37
